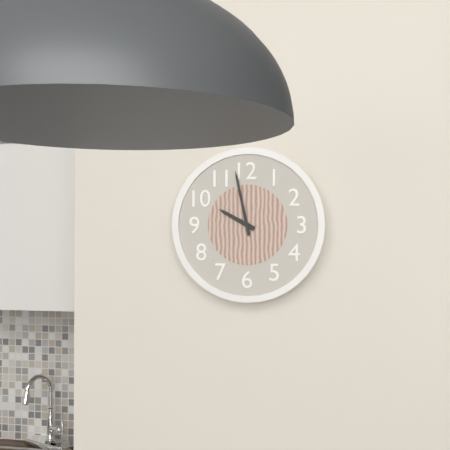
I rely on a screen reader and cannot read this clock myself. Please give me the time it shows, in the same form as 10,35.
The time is 9,58
